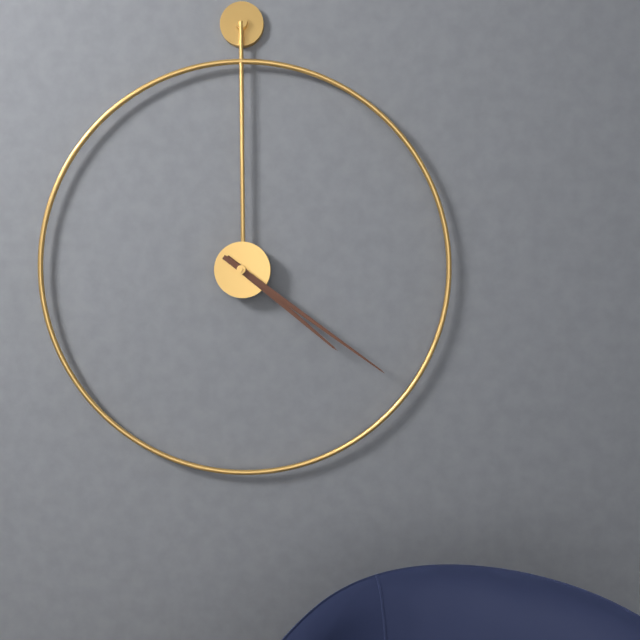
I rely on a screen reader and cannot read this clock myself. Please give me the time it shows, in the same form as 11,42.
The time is 4,21
